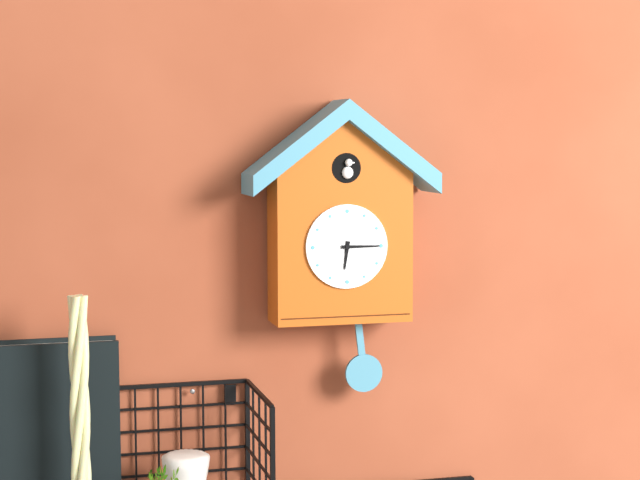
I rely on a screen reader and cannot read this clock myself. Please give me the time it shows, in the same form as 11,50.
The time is 6,15
